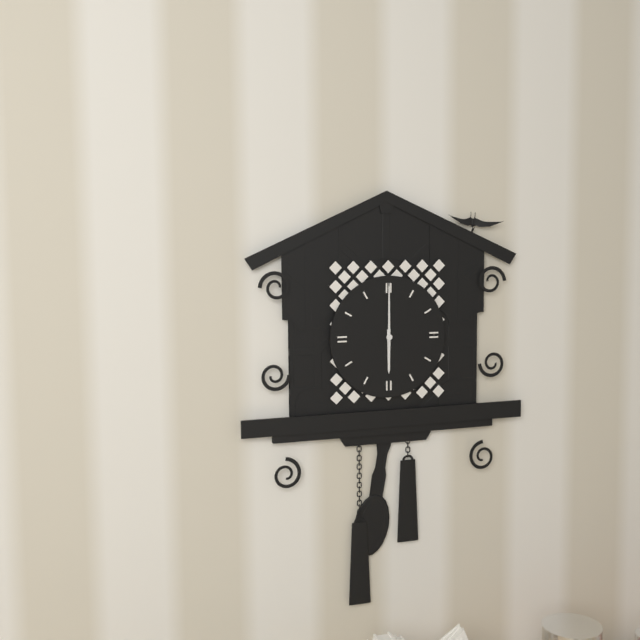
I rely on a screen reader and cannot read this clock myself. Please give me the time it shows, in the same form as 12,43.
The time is 6,00
